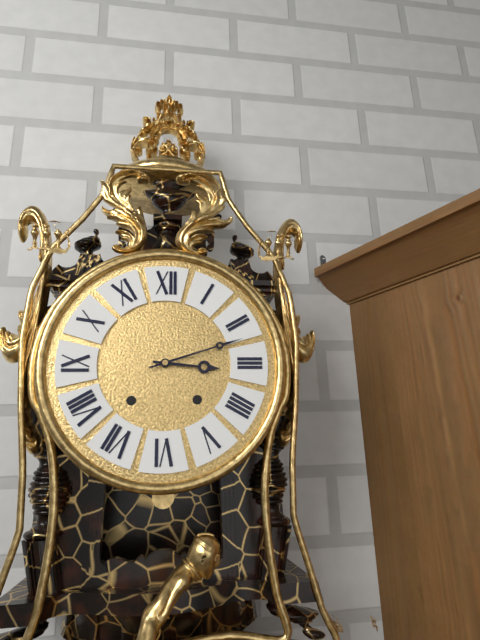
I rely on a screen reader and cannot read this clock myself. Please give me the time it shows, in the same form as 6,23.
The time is 3,12
